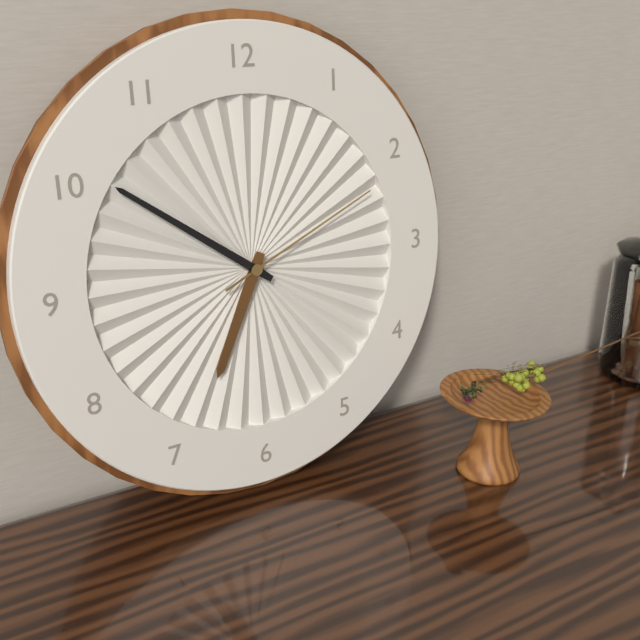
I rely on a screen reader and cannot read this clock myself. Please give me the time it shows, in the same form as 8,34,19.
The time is 6,51,11
